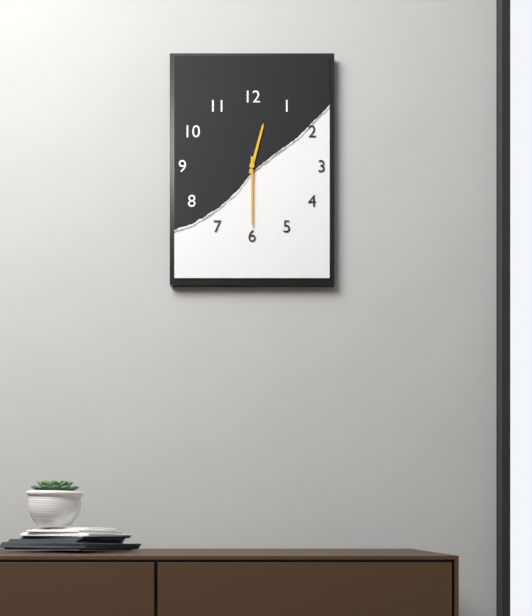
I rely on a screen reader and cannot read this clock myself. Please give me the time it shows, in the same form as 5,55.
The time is 12,30
